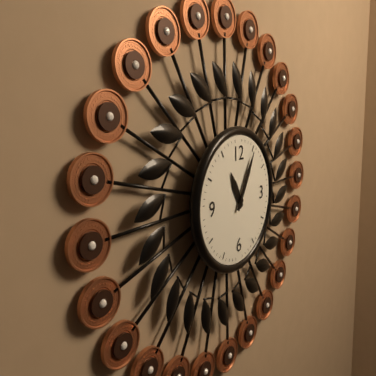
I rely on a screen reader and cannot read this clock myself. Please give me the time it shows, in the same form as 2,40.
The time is 11,05
